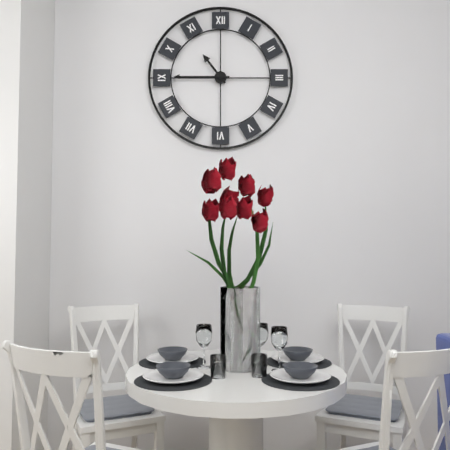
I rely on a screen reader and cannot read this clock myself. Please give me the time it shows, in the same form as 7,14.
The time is 10,45
